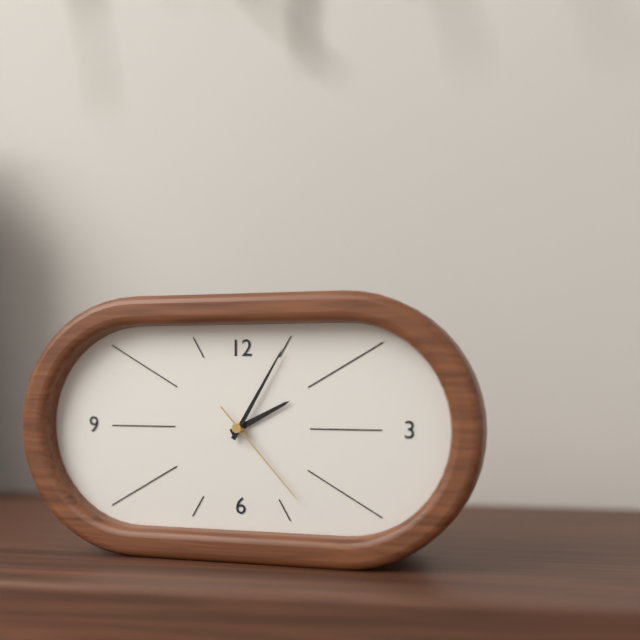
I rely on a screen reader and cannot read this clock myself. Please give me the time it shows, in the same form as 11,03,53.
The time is 2,05,23
